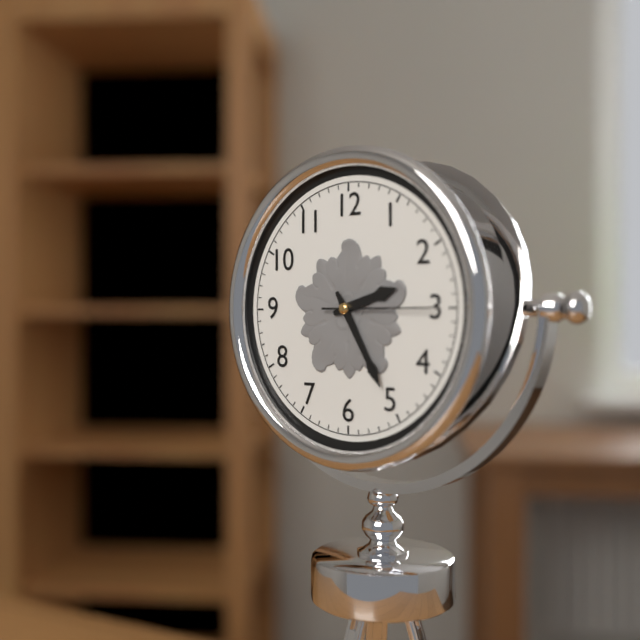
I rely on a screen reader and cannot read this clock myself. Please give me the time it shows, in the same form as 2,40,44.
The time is 2,25,15
